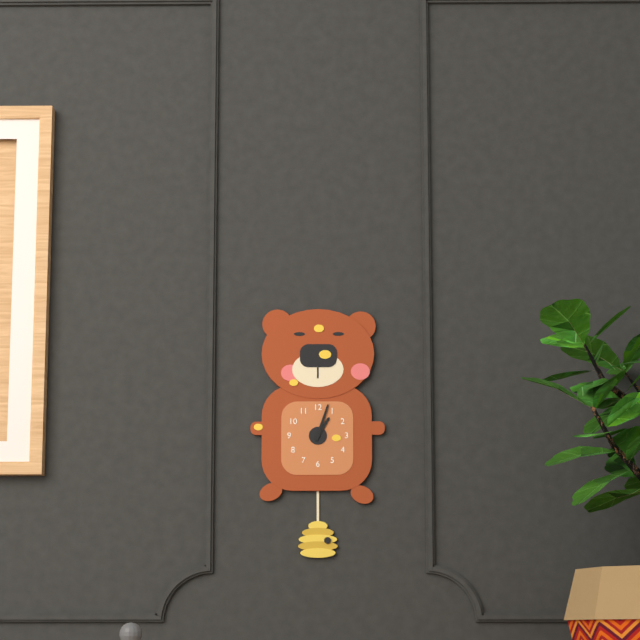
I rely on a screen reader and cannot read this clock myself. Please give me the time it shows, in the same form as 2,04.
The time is 1,03
